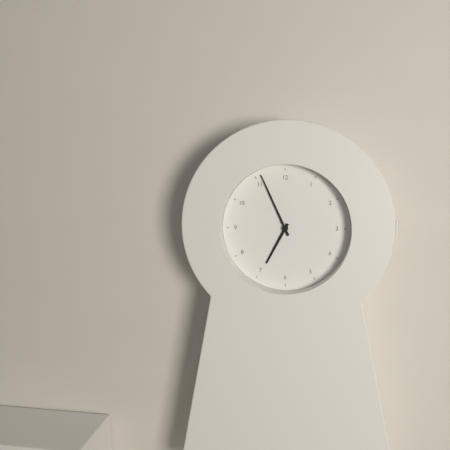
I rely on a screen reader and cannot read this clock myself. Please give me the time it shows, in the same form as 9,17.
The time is 6,56
